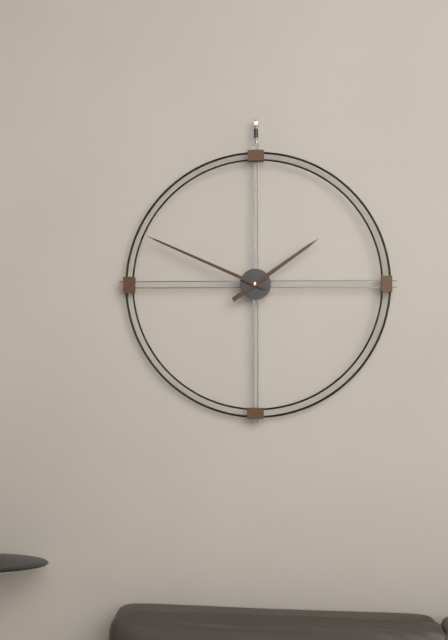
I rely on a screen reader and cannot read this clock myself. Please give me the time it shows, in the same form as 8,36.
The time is 1,49
